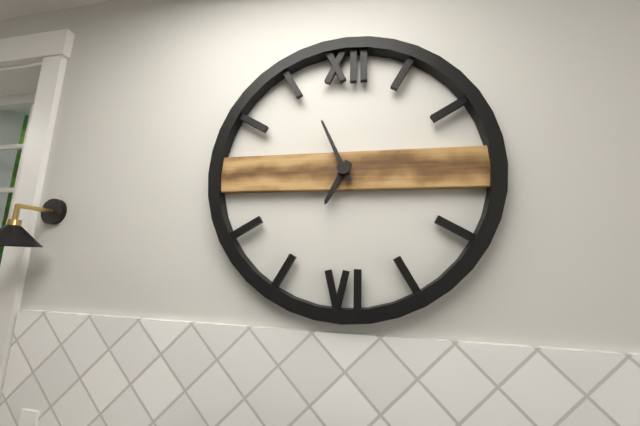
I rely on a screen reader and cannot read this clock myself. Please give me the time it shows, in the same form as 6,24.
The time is 6,56
